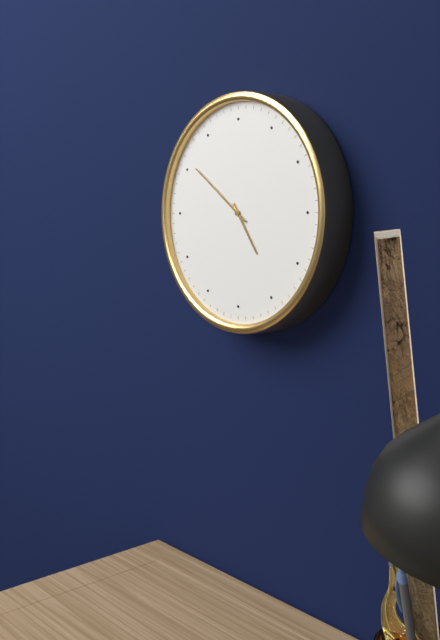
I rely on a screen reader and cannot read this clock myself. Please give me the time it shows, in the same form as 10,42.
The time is 4,51
